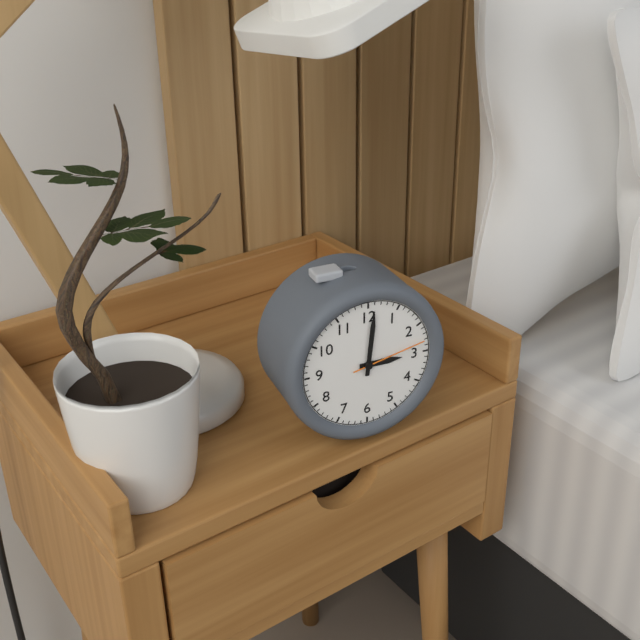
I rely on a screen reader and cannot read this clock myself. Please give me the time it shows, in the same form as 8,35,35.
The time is 3,01,13
